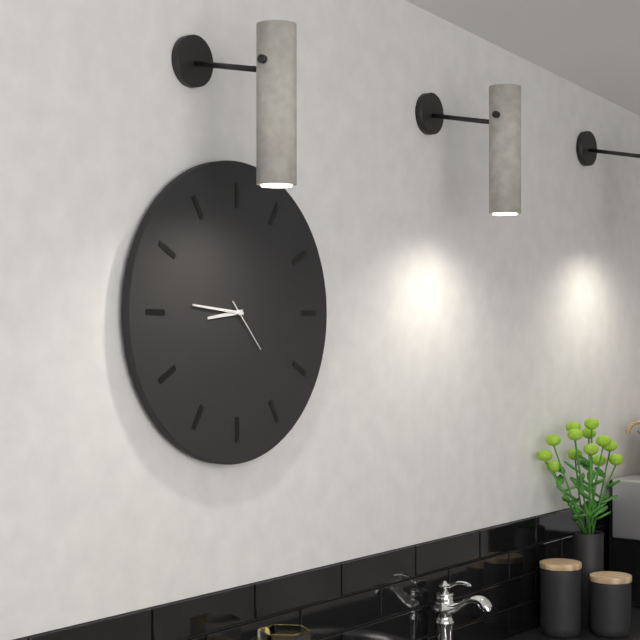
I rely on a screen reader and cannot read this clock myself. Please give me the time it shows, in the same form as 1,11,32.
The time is 8,46,23
